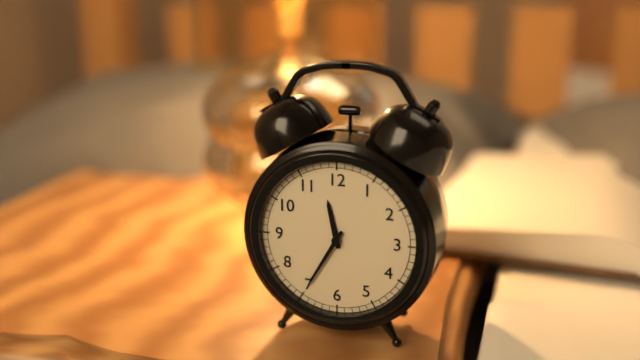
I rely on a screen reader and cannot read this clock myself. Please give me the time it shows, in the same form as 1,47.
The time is 11,35
